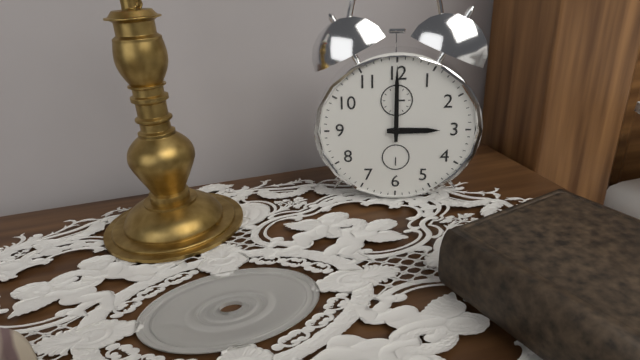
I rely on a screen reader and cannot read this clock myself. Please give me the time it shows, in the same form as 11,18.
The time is 3,00
